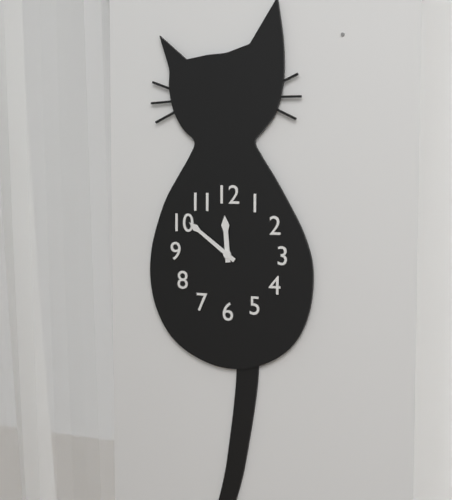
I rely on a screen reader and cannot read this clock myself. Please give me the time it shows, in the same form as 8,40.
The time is 11,51
